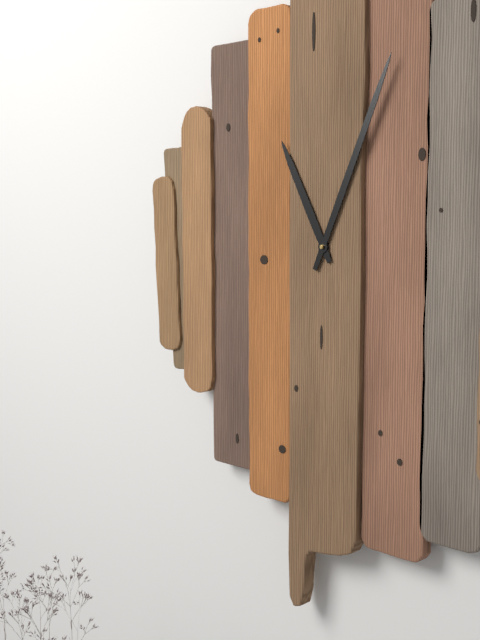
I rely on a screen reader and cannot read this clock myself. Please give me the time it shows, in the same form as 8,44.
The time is 11,04
